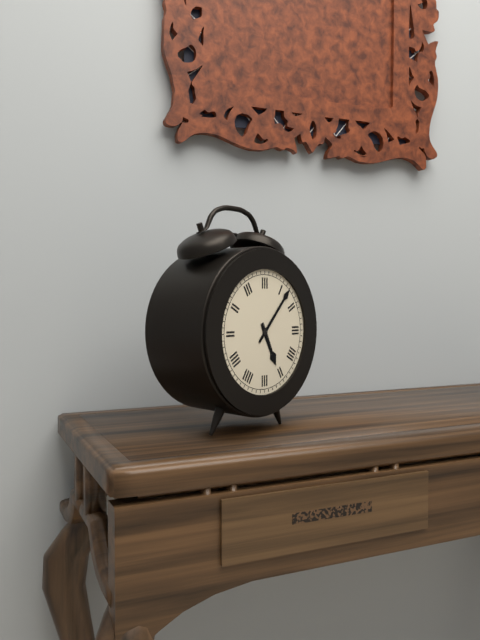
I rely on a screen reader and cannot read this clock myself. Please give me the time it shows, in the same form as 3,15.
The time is 5,07
